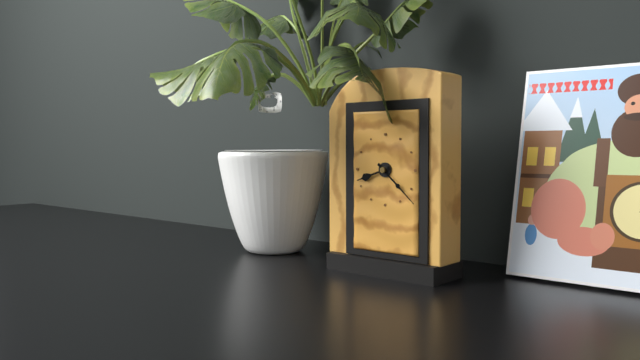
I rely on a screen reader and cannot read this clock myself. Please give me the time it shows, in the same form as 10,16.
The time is 8,22
